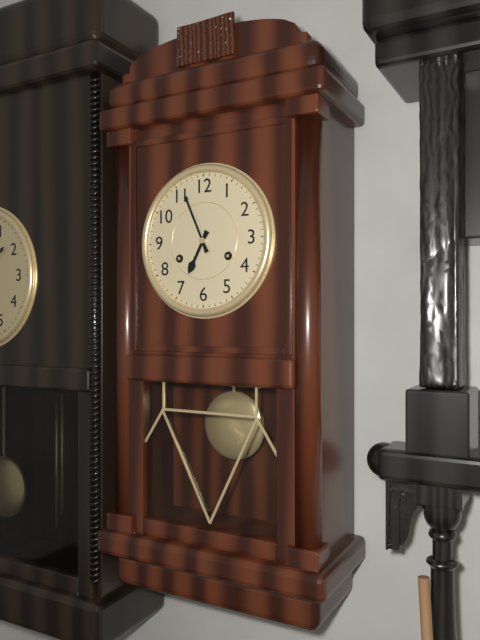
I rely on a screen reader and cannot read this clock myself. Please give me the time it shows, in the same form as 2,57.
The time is 6,56
